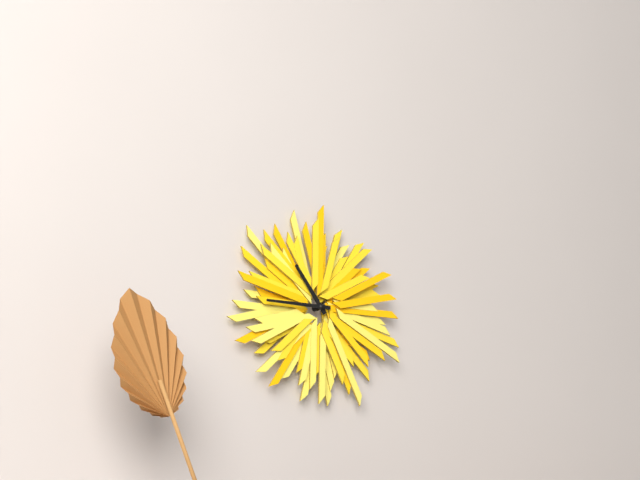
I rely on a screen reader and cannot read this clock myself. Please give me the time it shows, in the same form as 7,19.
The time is 10,45
